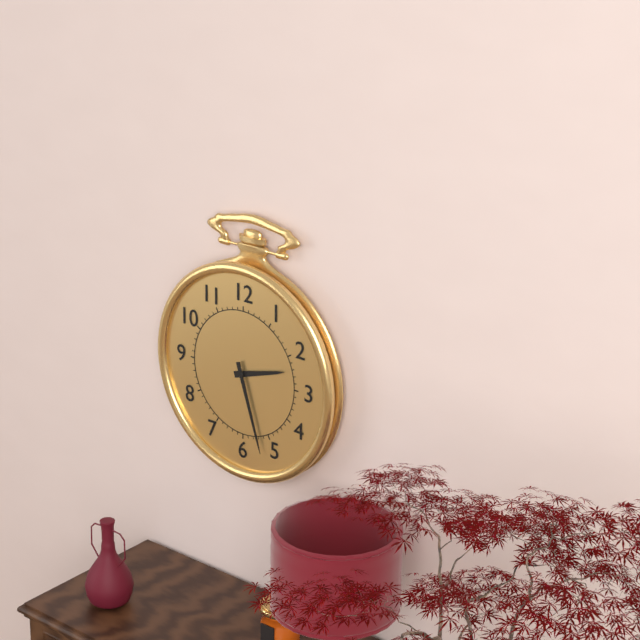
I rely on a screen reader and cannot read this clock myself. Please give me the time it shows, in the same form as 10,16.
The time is 2,27
